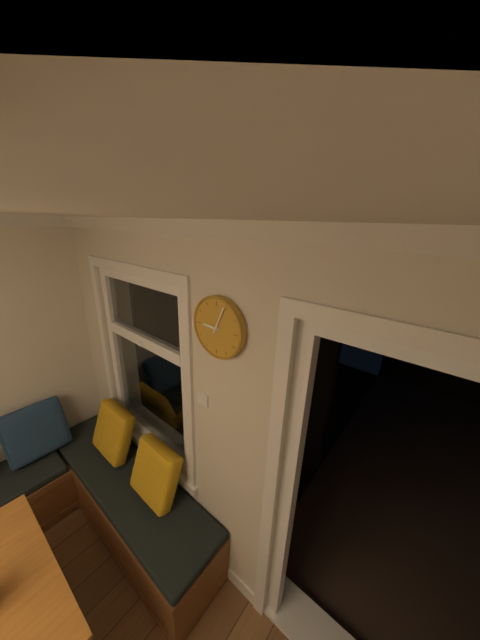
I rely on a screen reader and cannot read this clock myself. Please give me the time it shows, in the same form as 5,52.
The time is 9,04
